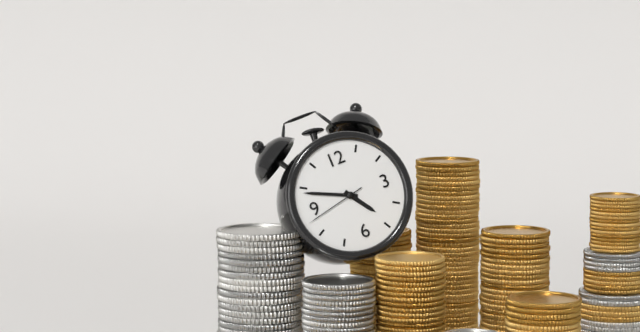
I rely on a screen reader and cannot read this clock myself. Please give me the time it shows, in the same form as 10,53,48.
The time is 4,49,43
